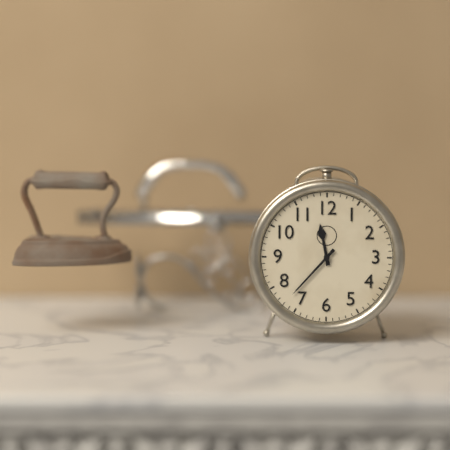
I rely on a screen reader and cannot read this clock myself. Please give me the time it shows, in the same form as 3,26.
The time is 11,37
